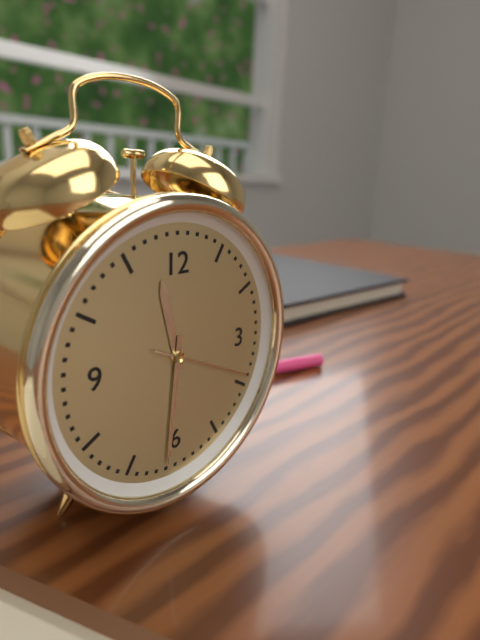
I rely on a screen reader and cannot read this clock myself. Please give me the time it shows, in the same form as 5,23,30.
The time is 11,31,19
